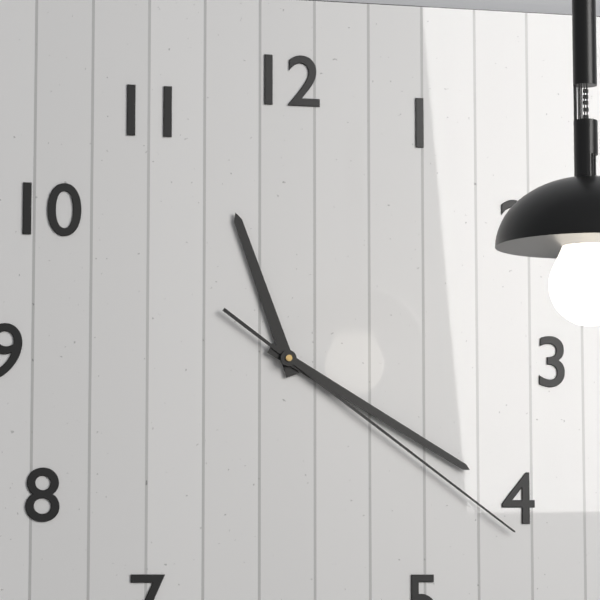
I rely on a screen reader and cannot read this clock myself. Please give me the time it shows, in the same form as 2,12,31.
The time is 11,20,21
